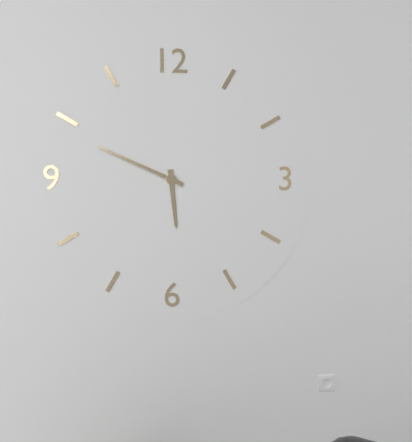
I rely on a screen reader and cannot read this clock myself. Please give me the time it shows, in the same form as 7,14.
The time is 5,49
